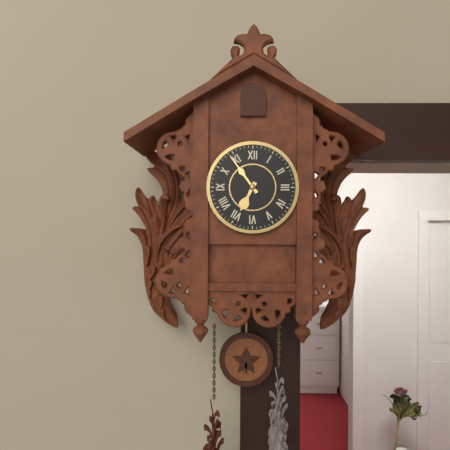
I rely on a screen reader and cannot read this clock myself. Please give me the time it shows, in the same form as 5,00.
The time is 6,54
